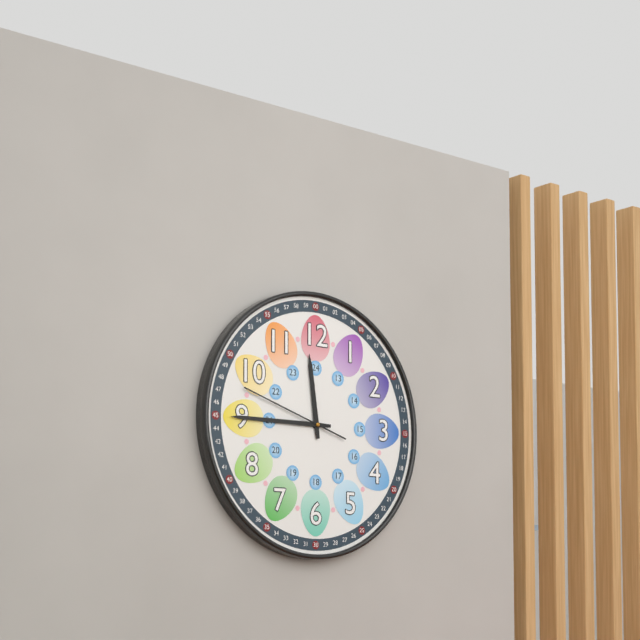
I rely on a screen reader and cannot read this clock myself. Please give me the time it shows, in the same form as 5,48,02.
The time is 11,45,48
